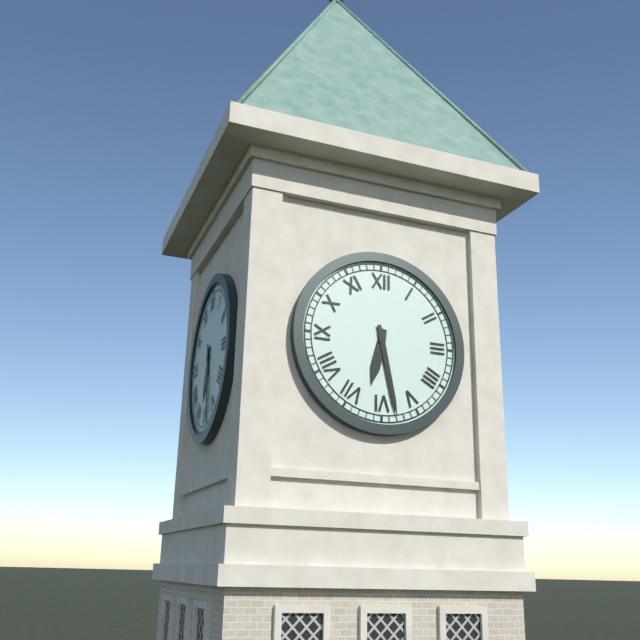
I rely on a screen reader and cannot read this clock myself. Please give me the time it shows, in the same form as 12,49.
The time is 6,28
